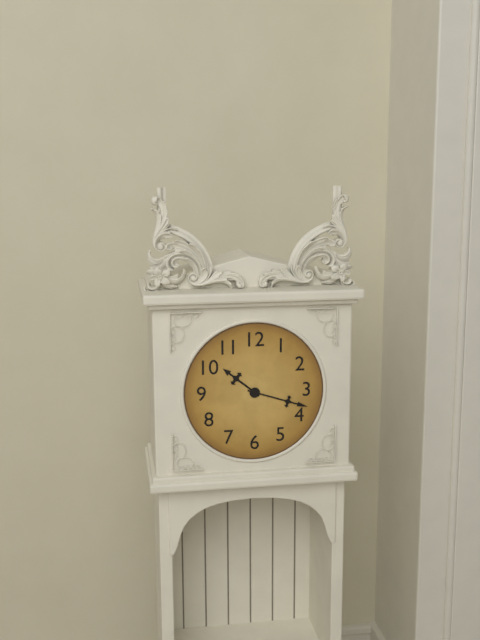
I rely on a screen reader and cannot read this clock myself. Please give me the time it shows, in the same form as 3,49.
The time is 10,18
